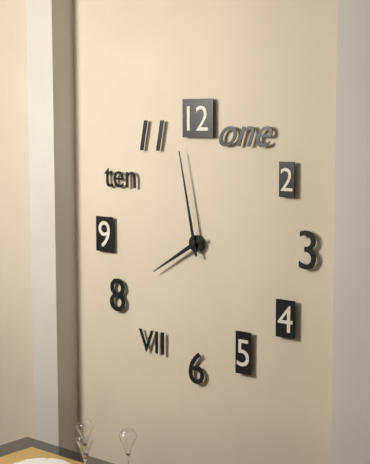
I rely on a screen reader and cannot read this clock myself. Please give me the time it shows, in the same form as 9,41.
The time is 7,58
